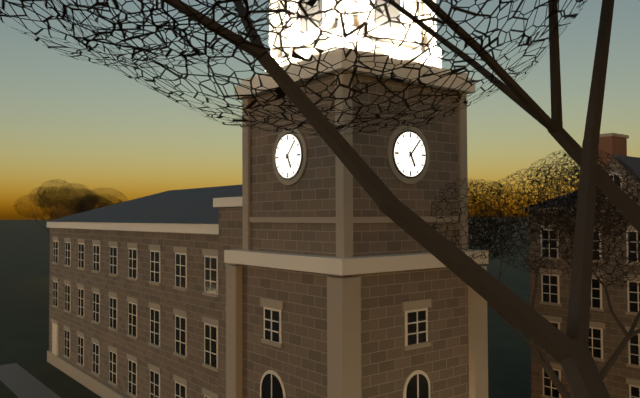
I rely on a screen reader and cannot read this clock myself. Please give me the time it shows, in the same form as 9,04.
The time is 5,07
